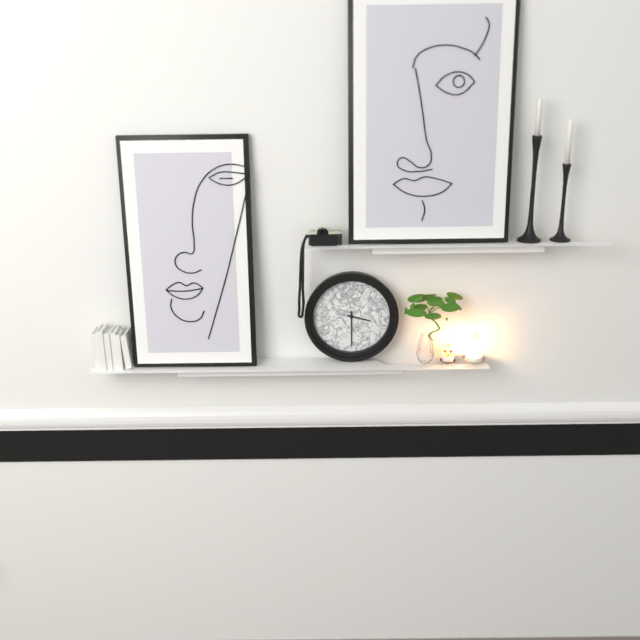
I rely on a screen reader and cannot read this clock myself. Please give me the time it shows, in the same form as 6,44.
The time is 3,30
